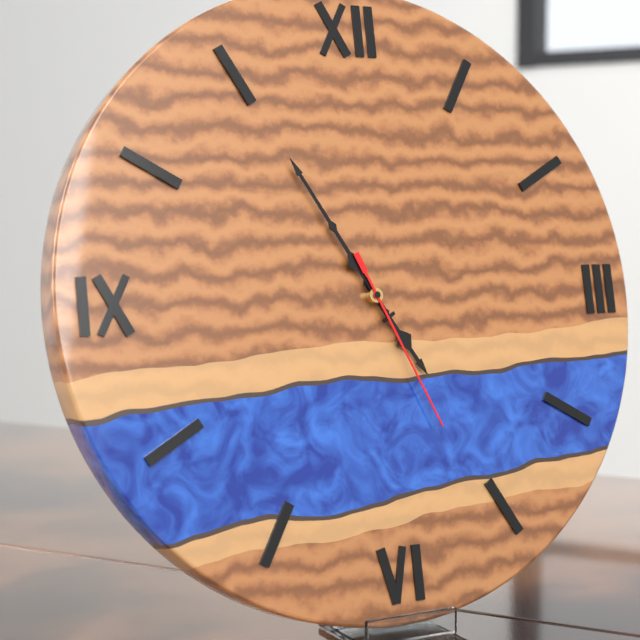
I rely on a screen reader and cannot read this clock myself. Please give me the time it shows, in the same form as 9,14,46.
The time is 4,55,26
